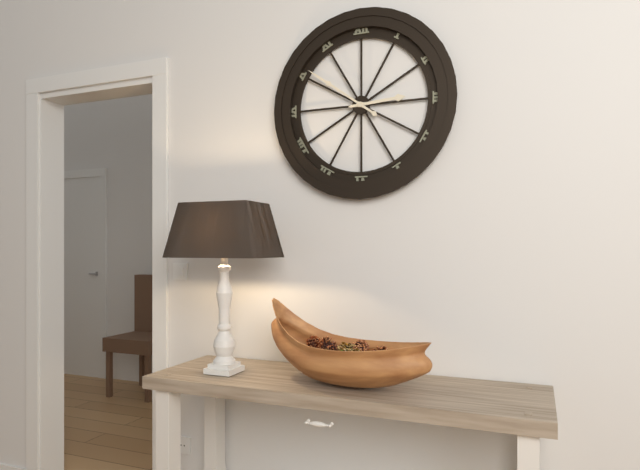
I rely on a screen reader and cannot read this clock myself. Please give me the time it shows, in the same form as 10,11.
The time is 2,51
